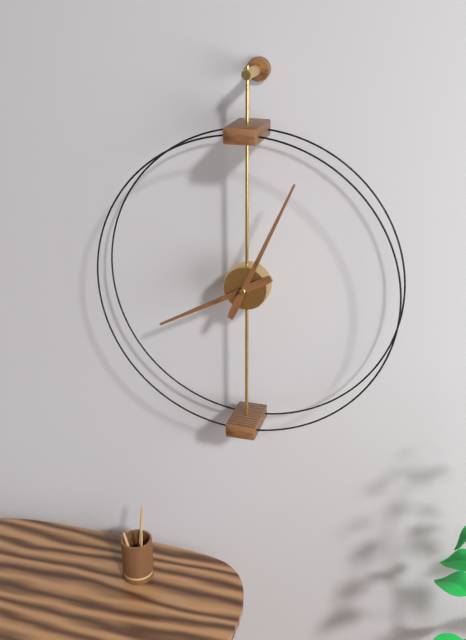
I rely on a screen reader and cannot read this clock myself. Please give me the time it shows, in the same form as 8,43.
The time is 8,04
